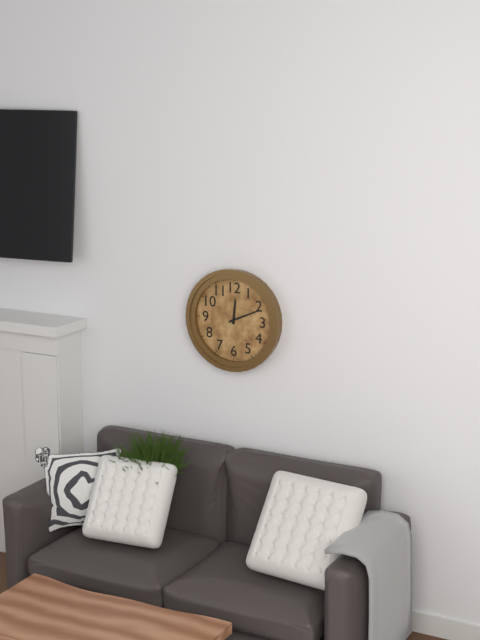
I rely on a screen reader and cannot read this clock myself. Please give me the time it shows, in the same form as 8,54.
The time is 12,11
